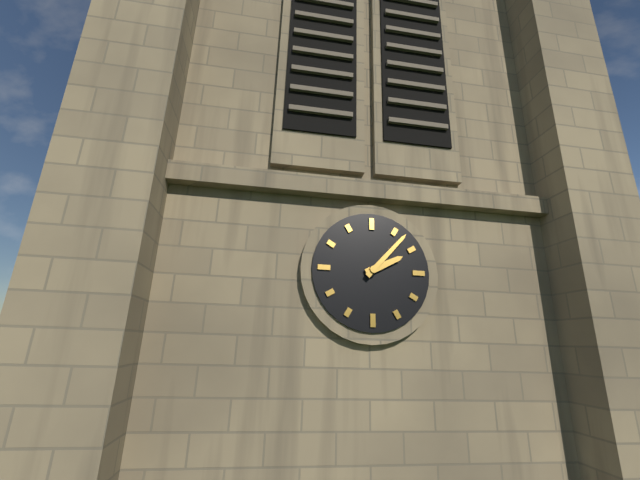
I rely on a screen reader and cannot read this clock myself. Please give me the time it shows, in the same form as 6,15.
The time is 2,07
